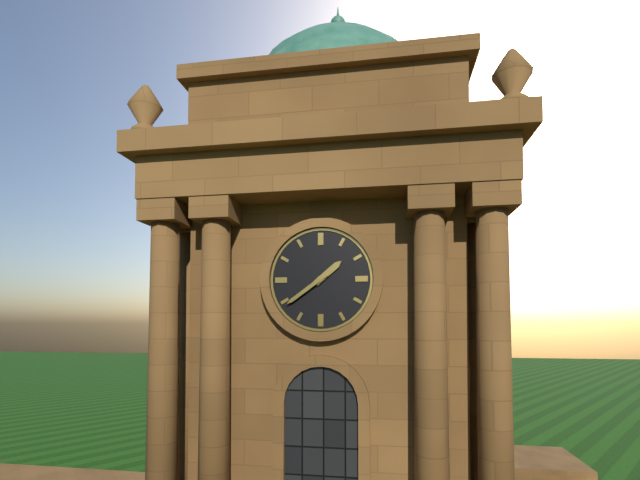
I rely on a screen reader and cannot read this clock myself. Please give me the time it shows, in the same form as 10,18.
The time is 1,39
